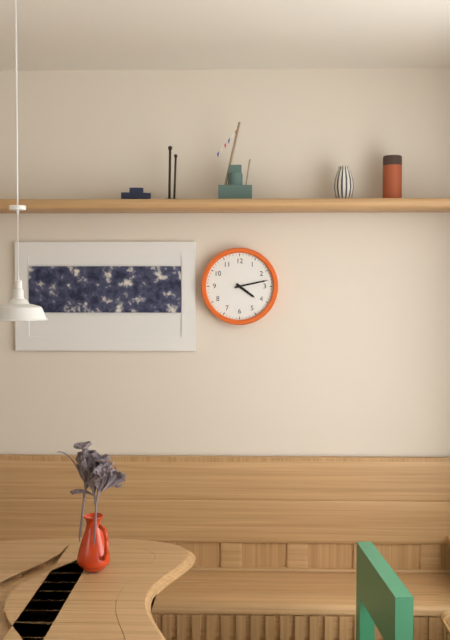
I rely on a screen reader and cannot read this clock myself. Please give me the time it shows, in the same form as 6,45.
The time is 4,13
